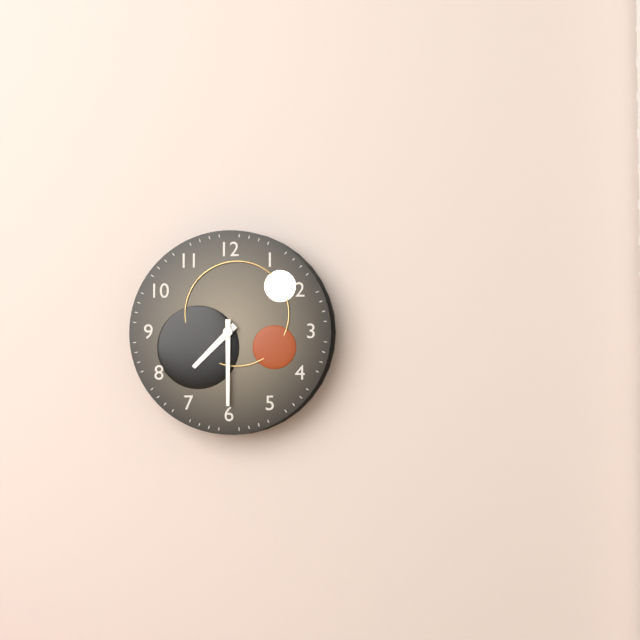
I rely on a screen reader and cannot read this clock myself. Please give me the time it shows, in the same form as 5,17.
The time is 7,30
